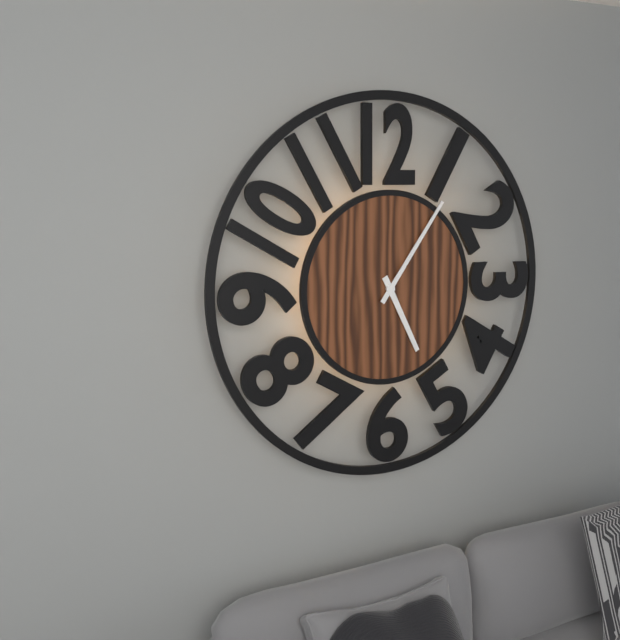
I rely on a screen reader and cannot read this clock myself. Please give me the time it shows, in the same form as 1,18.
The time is 5,06
